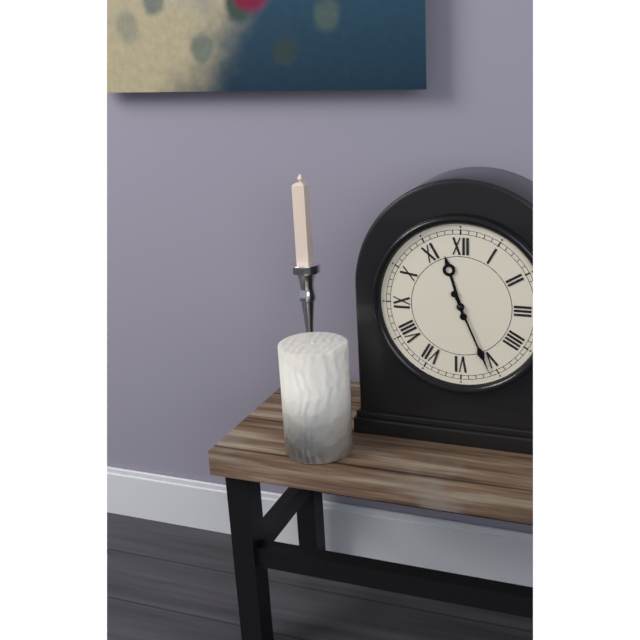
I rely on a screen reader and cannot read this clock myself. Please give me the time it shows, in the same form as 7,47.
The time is 11,26
